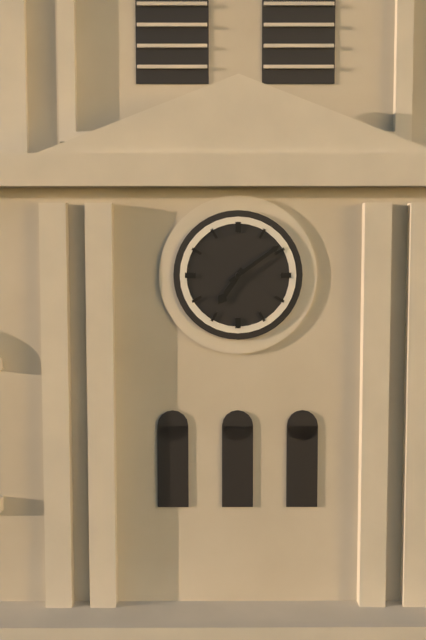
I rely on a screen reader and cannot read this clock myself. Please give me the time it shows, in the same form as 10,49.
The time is 7,09
